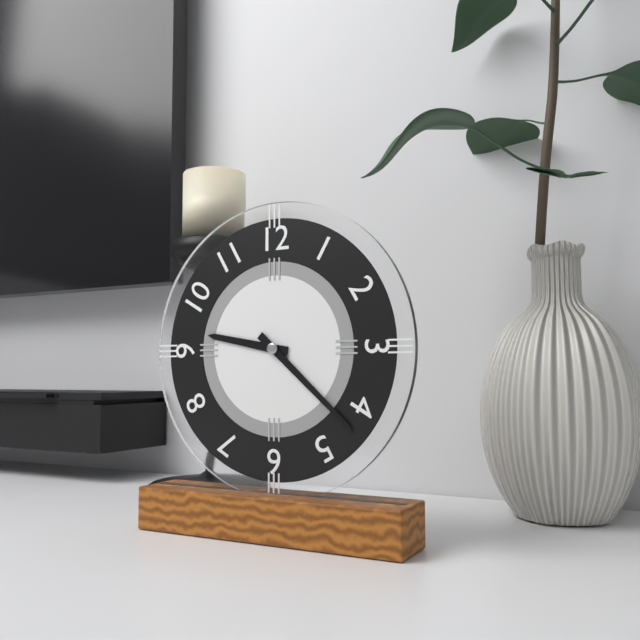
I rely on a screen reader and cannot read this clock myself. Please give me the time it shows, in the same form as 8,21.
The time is 9,22
